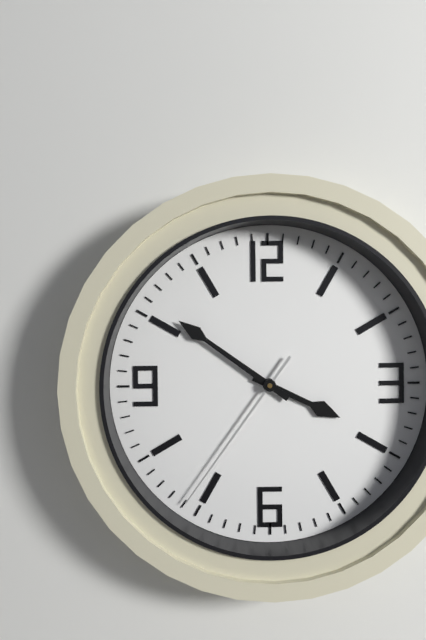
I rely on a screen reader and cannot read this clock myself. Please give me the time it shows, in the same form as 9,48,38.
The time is 3,51,36
